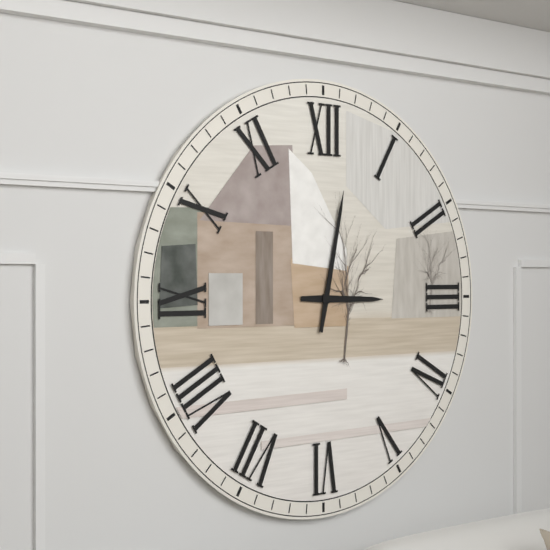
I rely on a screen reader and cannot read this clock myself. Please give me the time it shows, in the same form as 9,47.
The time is 3,02
